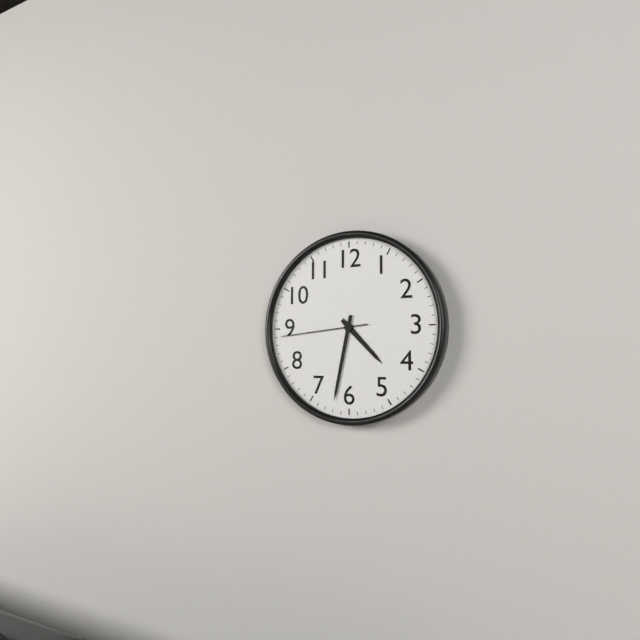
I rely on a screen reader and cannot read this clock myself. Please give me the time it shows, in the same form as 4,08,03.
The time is 4,32,44
